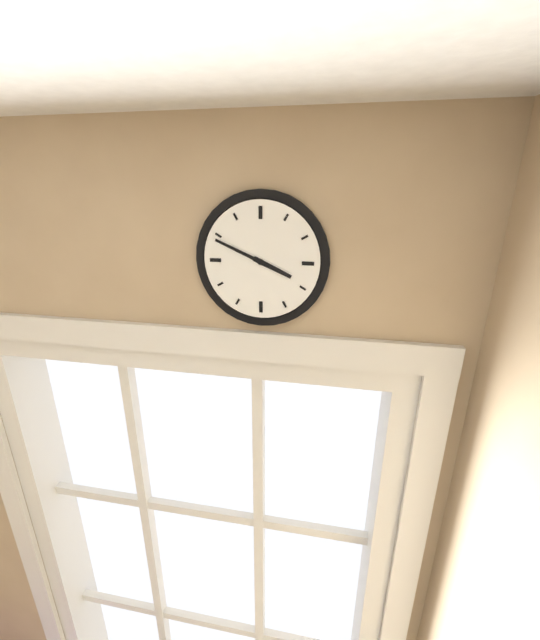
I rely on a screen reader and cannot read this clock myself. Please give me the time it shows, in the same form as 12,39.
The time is 3,49
